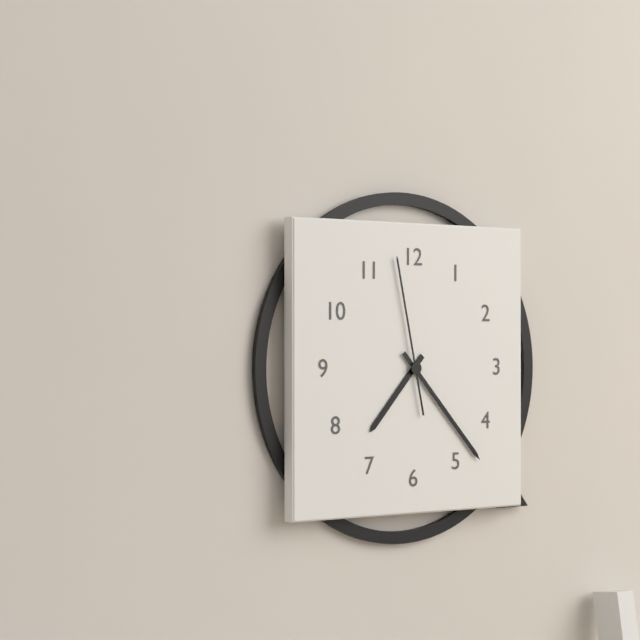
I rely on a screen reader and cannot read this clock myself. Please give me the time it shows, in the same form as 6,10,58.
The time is 7,23,58
